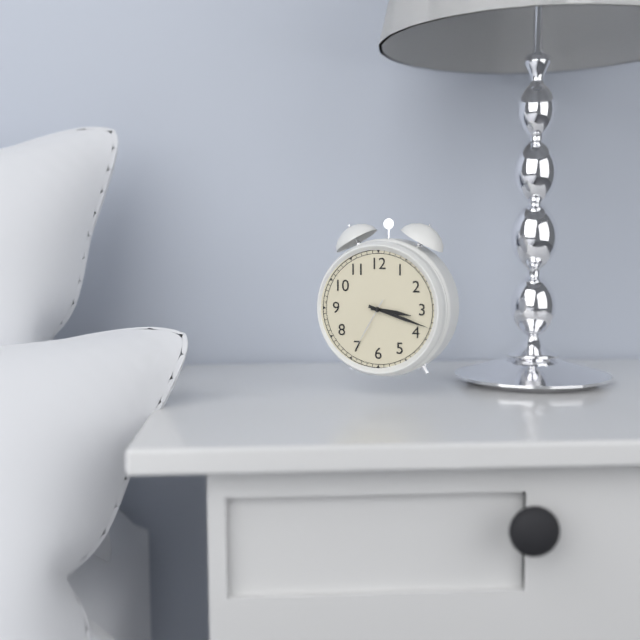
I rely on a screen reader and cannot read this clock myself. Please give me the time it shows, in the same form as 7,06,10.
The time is 3,18,35
